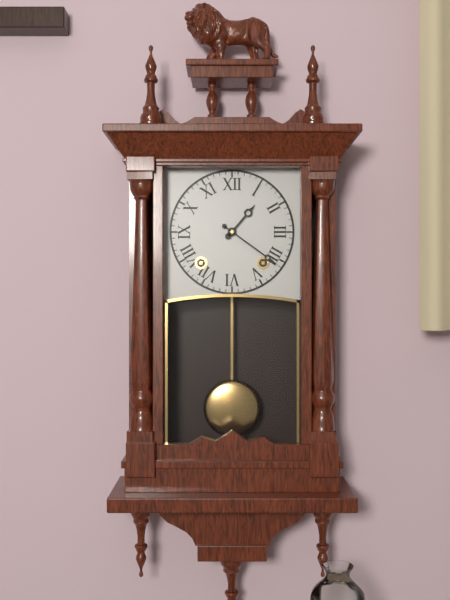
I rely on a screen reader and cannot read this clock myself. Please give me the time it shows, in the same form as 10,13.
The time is 1,21
